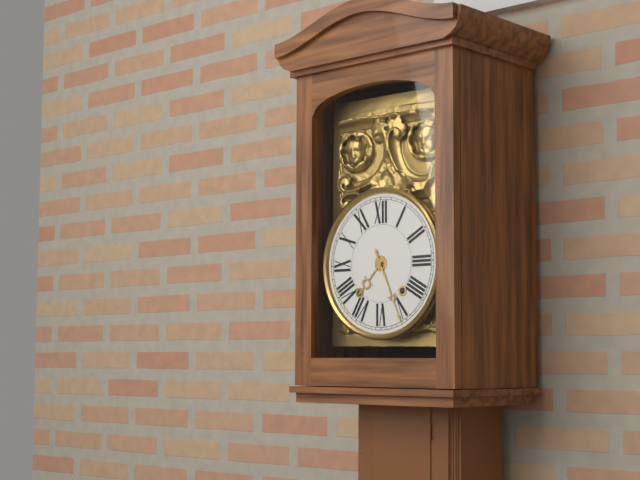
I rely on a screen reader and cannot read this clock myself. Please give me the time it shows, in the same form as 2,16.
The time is 7,26
